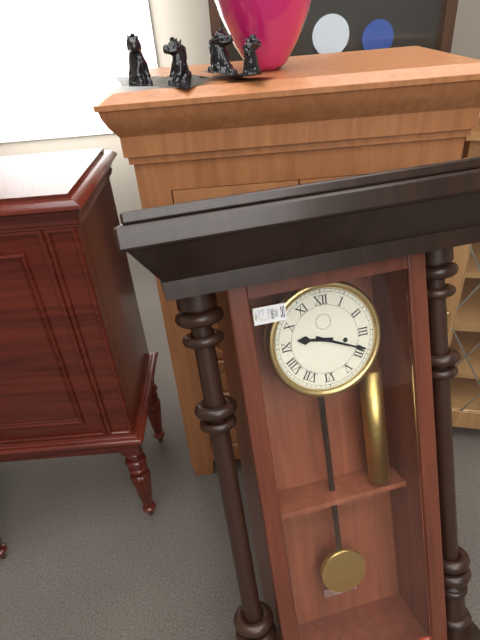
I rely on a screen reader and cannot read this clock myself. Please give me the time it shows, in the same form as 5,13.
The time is 9,19
